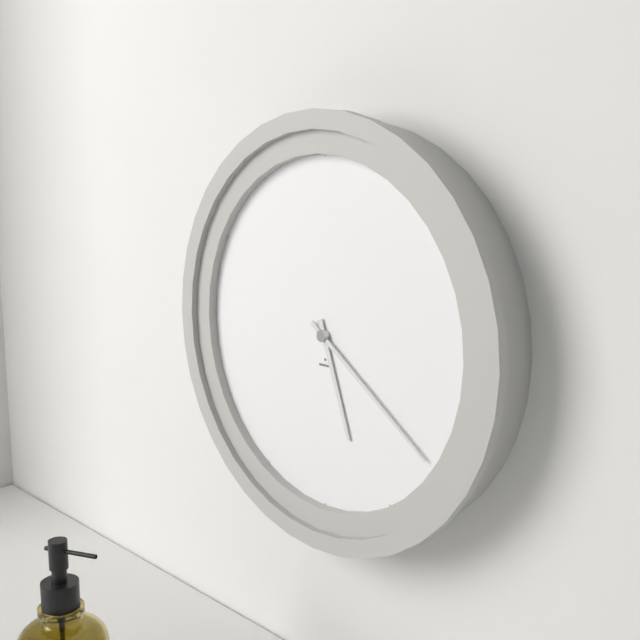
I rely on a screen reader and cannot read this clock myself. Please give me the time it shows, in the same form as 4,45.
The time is 5,21
